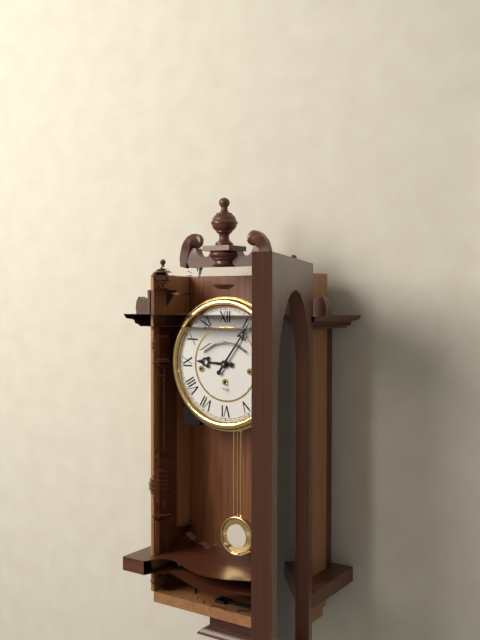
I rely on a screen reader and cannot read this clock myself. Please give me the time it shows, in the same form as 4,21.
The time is 9,06
